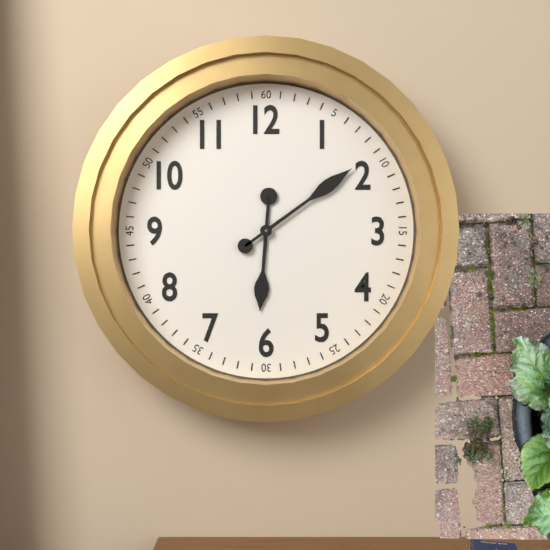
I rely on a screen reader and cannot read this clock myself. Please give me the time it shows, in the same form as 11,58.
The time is 6,09
